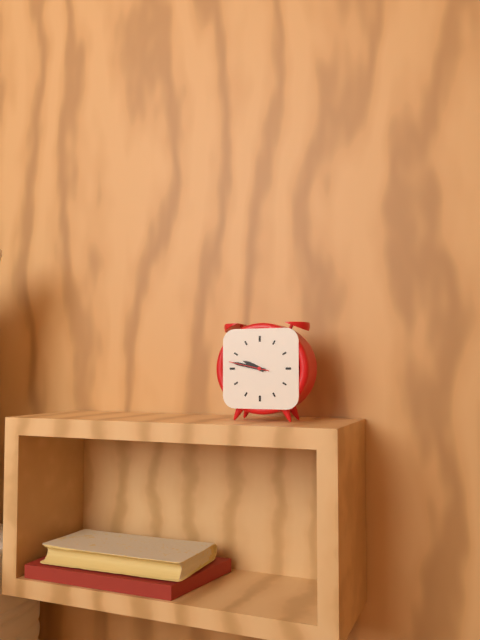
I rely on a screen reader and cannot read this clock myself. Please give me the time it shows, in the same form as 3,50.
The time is 9,47
